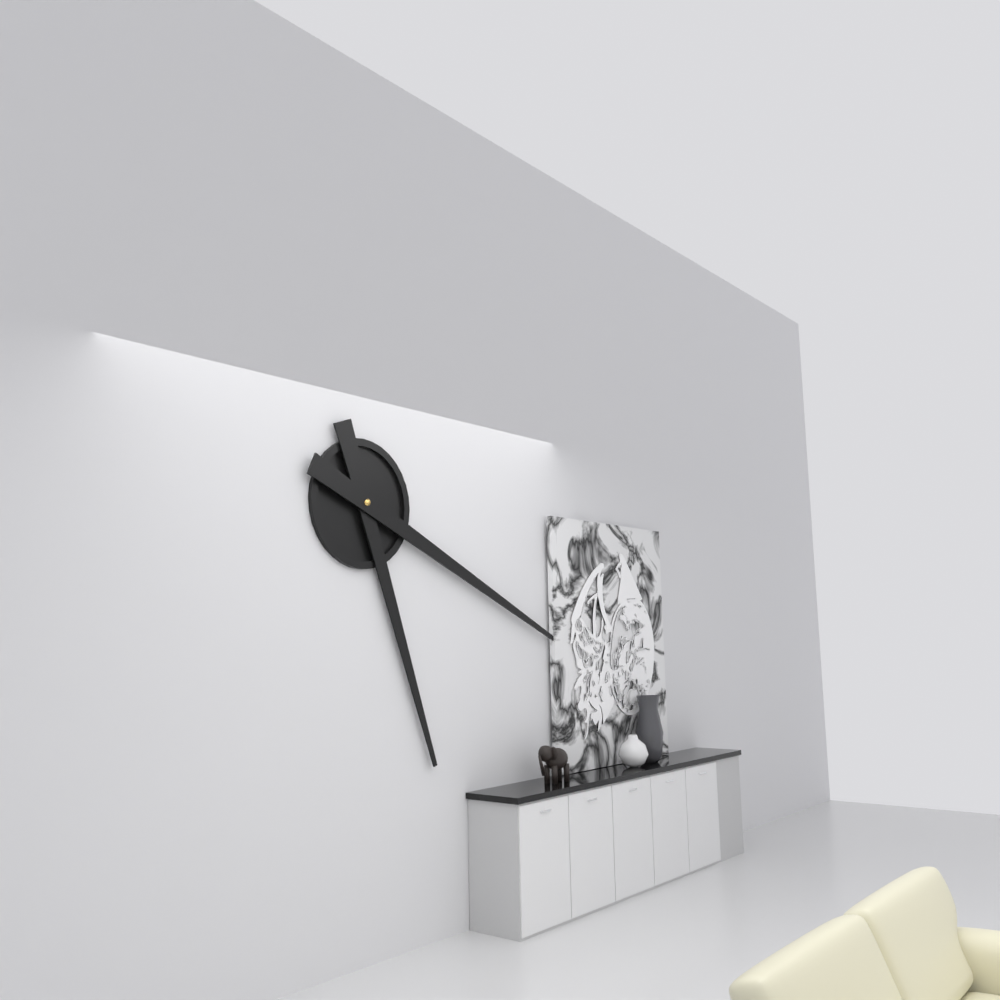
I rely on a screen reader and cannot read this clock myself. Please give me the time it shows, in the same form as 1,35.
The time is 5,19
